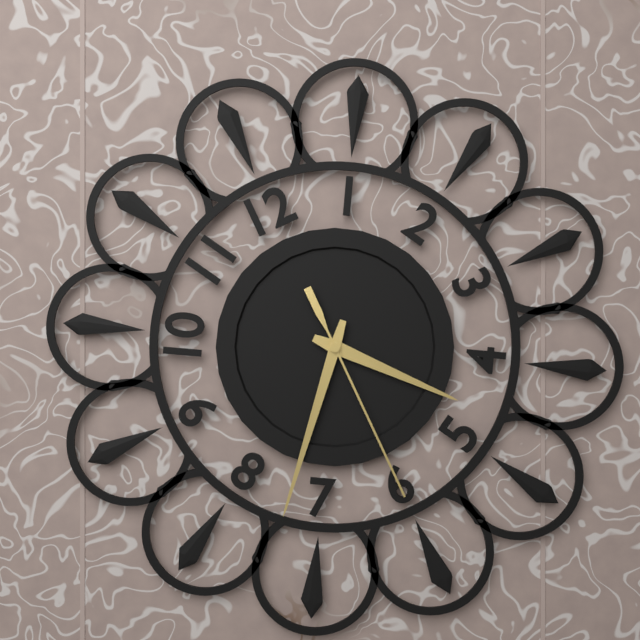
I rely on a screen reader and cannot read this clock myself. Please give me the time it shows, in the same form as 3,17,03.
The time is 4,37,30
